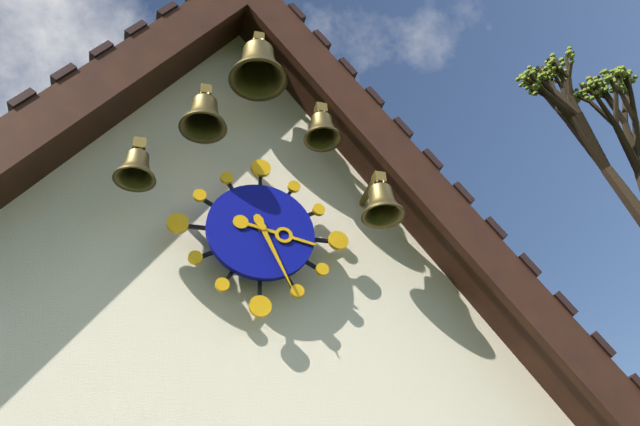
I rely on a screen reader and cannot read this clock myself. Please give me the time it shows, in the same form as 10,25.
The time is 3,26
